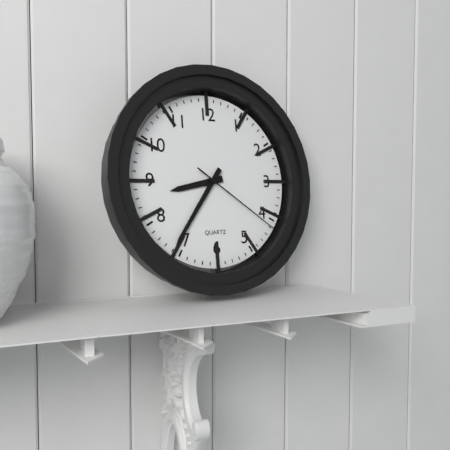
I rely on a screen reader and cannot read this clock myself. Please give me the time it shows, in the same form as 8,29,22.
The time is 8,36,21
